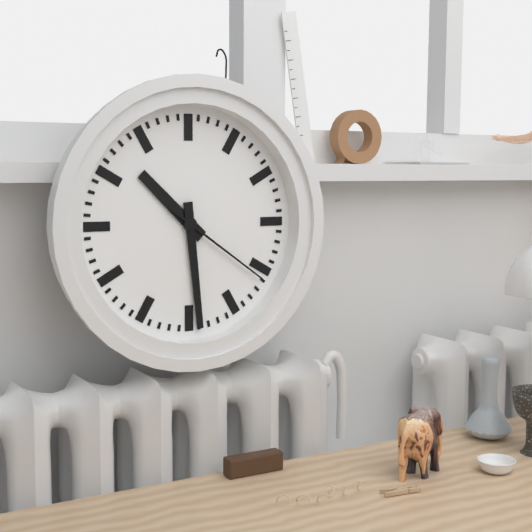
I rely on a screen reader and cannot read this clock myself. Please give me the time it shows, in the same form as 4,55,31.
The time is 10,29,21
